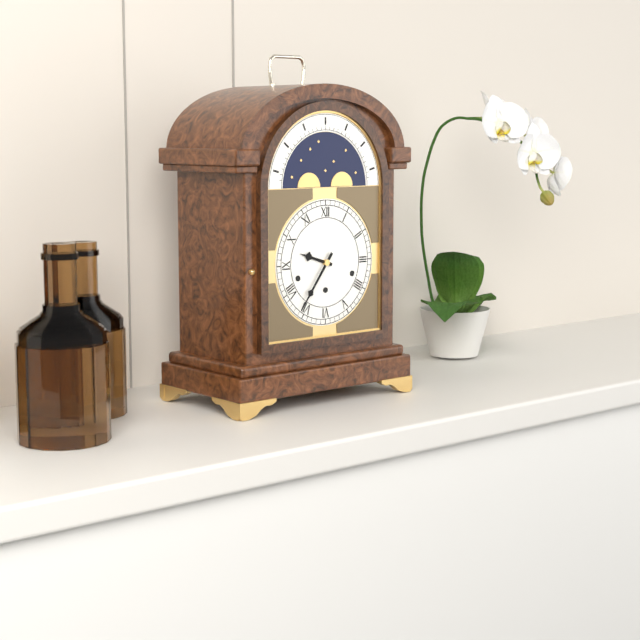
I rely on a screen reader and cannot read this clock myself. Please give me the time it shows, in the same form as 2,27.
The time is 9,36
